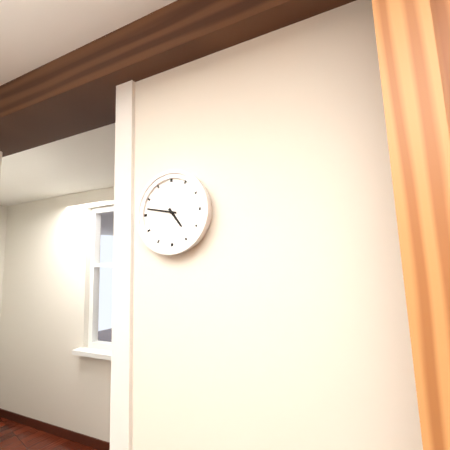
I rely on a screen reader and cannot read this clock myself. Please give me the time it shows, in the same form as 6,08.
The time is 4,47
